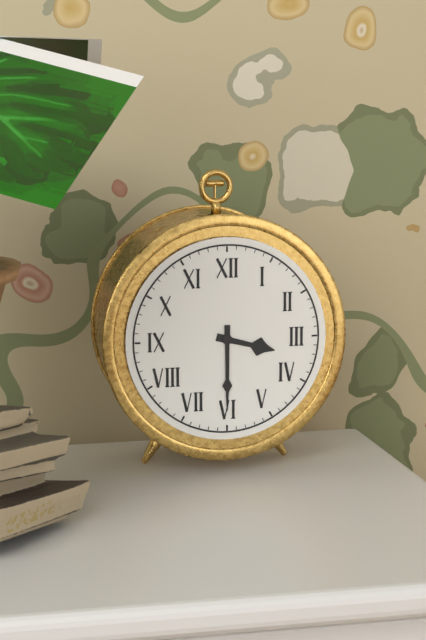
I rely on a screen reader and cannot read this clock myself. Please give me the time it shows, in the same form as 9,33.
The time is 3,30
